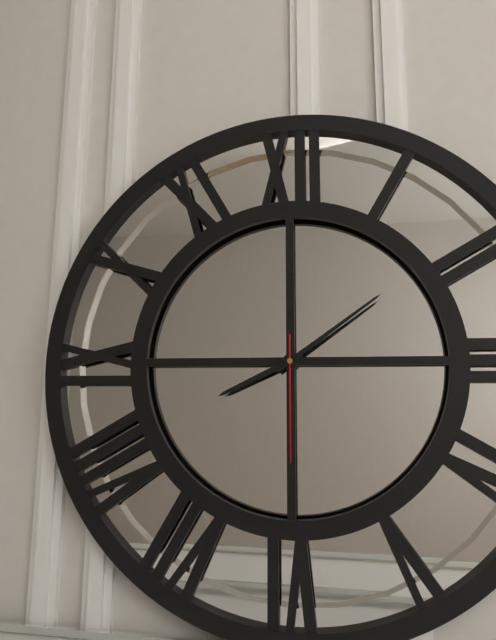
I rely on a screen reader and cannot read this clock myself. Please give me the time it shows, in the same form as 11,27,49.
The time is 8,09,30
